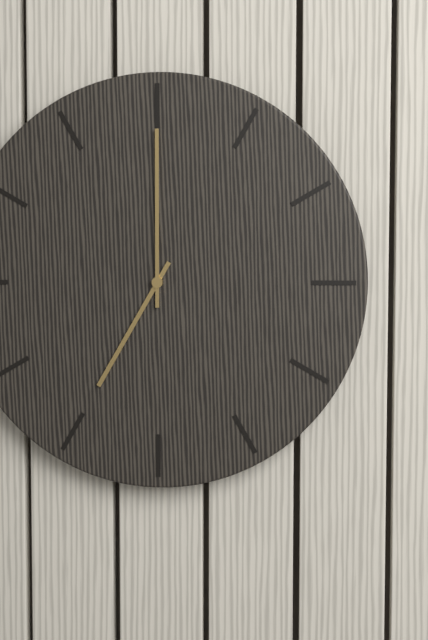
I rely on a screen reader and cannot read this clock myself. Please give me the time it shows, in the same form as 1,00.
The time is 7,00
